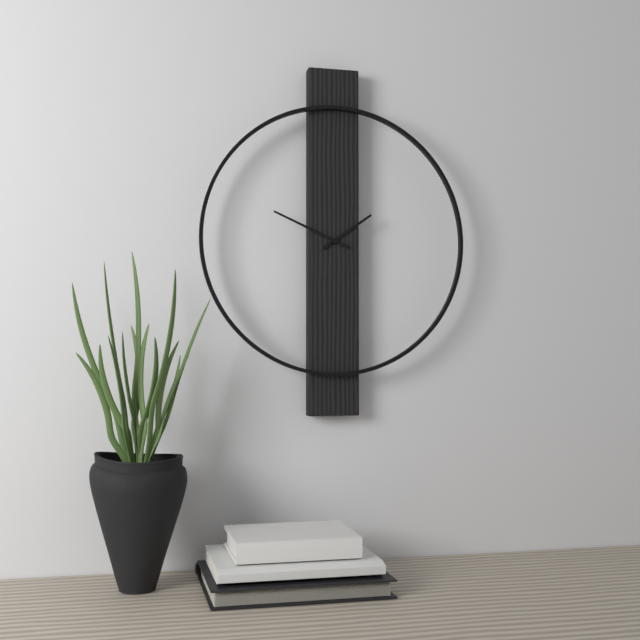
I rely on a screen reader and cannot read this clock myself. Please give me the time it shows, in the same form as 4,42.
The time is 1,49
